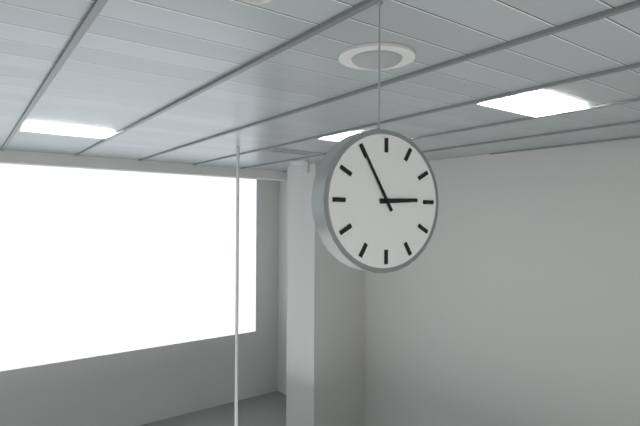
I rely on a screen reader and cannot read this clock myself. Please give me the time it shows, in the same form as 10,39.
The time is 2,55
